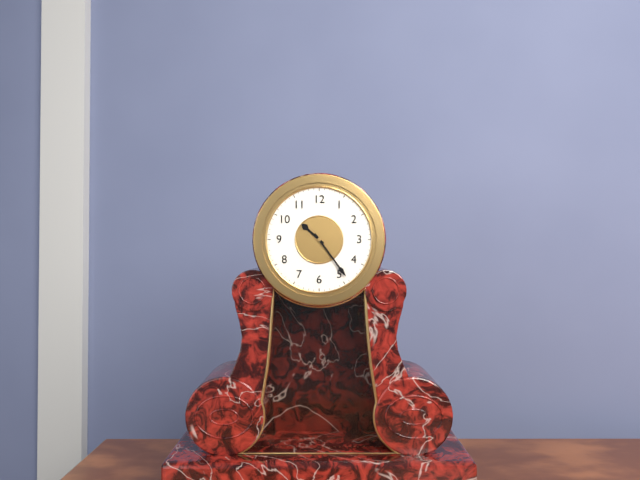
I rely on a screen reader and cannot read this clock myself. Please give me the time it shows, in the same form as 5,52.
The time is 10,24
